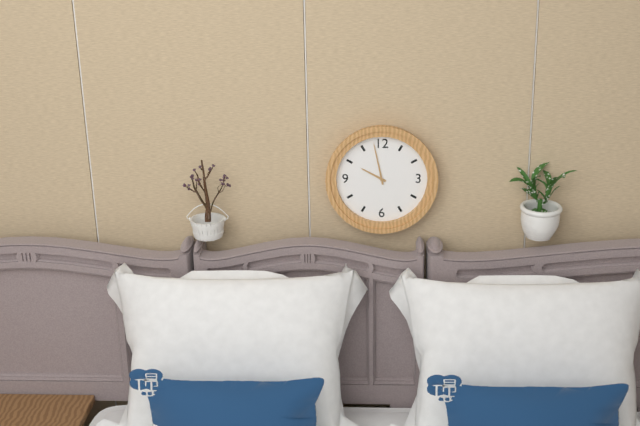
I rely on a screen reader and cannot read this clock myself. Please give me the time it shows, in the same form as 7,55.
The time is 9,58
